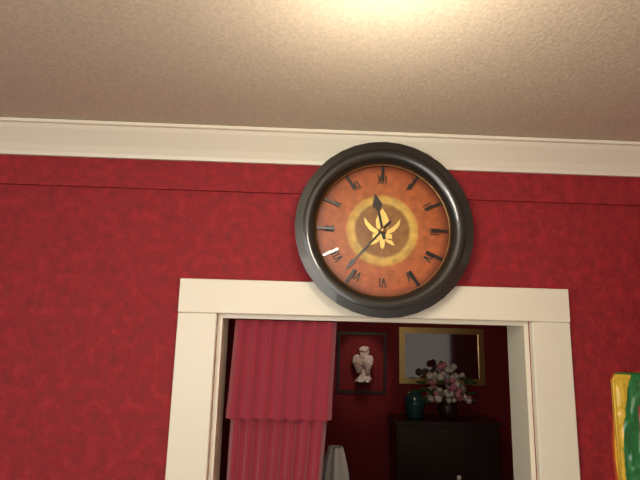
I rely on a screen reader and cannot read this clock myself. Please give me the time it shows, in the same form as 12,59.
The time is 11,37
